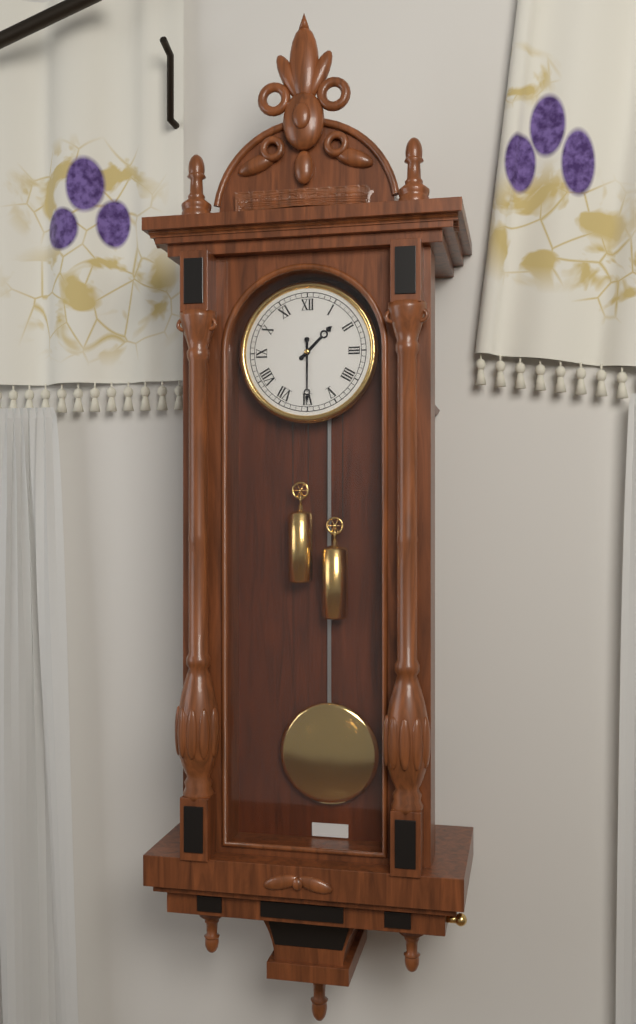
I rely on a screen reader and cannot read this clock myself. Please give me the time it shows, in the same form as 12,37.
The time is 1,30
